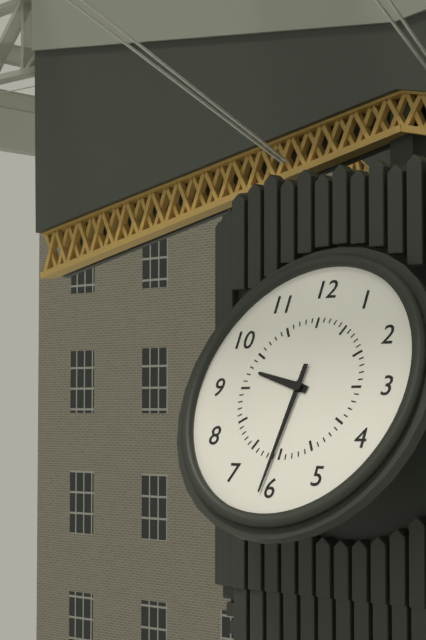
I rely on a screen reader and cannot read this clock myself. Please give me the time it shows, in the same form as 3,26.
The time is 9,31
